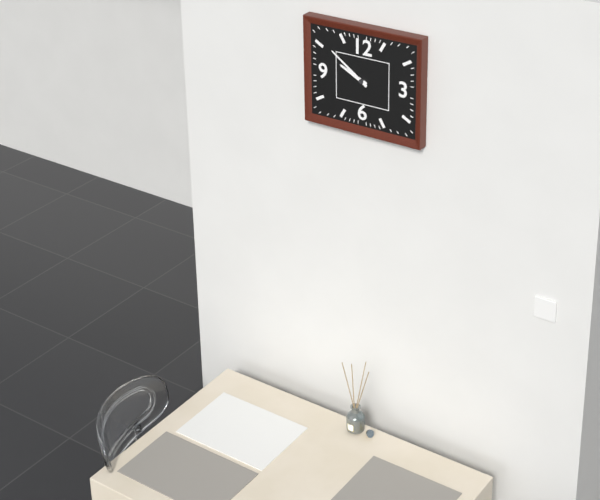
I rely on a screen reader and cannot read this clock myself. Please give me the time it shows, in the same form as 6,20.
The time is 9,51
